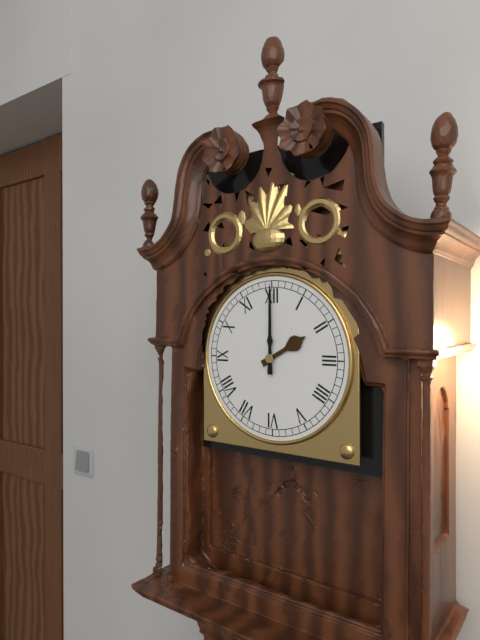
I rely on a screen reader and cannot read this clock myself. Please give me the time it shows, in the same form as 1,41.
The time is 2,00
